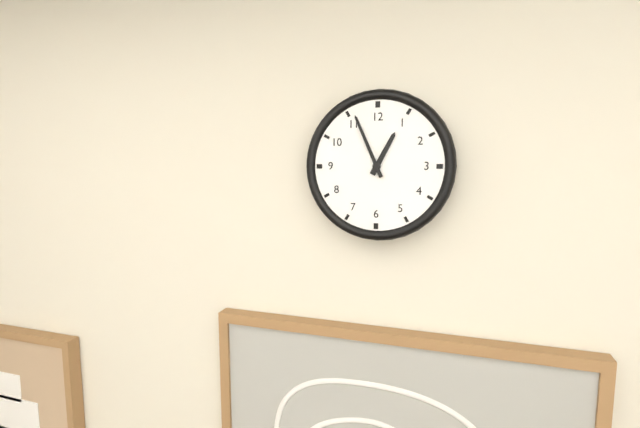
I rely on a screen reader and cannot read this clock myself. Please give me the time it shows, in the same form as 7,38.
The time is 12,56
